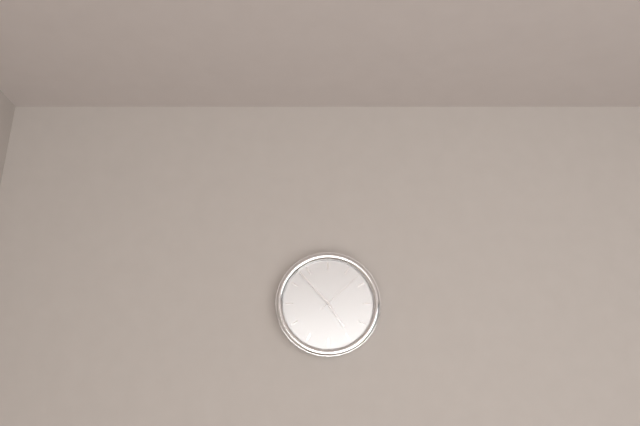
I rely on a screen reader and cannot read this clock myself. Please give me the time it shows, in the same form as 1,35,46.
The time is 4,53,08
